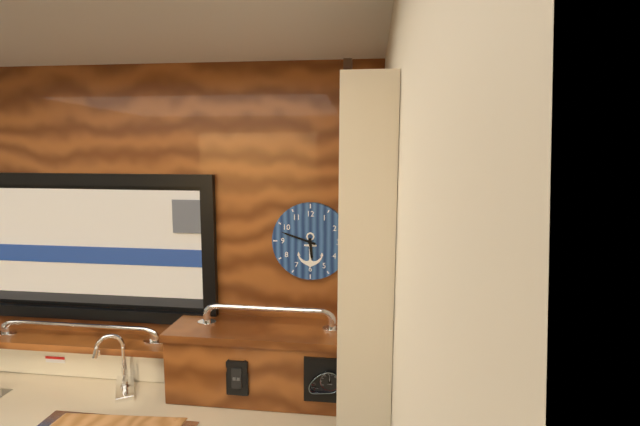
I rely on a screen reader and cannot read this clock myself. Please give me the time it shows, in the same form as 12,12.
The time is 5,48
